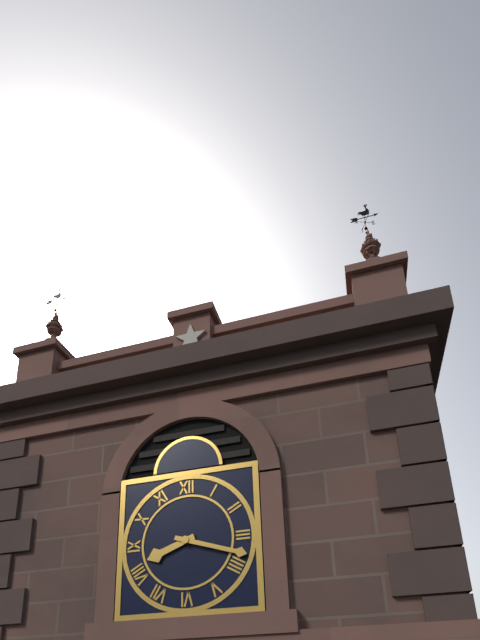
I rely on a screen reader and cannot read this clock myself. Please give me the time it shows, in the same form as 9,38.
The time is 8,18
